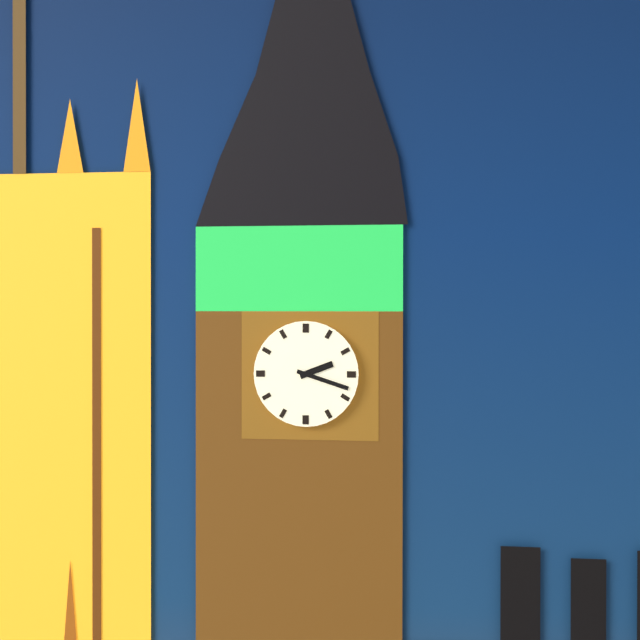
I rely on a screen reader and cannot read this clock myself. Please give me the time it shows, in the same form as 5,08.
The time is 2,18
